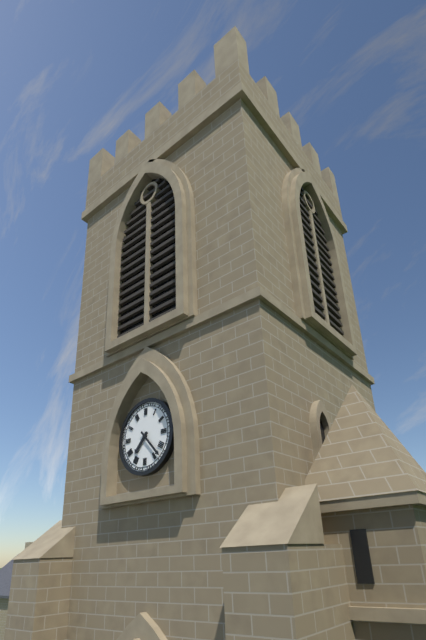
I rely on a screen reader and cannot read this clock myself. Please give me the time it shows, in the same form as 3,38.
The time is 7,23
